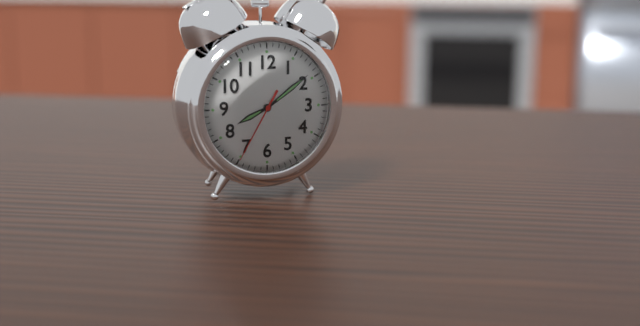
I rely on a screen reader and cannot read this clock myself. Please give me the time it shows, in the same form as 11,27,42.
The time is 8,09,35
